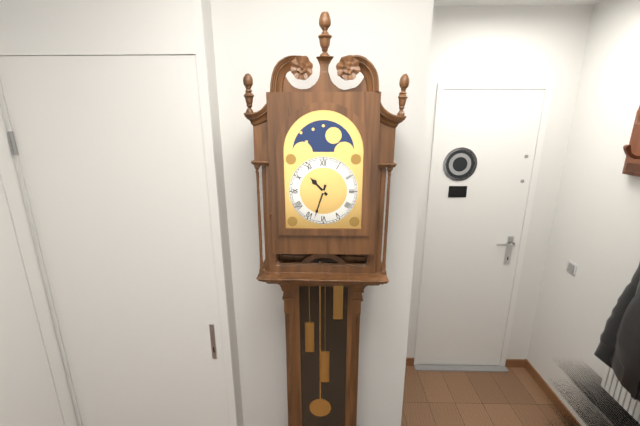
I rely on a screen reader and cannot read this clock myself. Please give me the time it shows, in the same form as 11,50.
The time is 10,33
